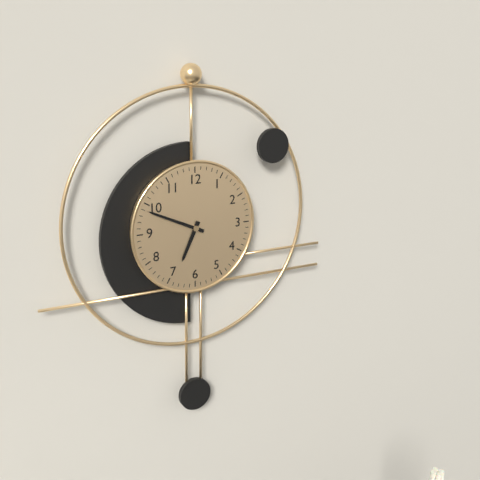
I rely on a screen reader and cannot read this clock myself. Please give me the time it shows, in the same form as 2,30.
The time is 6,49
